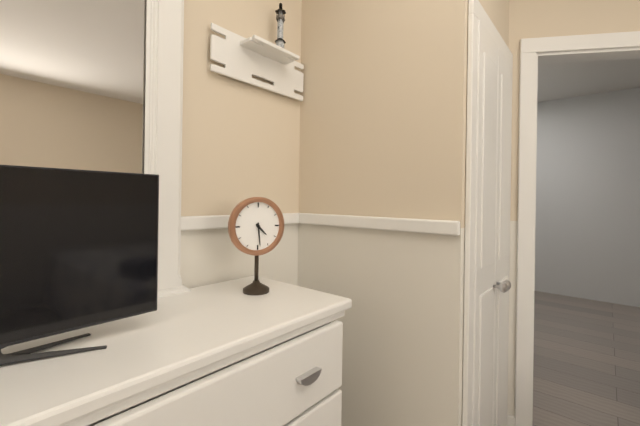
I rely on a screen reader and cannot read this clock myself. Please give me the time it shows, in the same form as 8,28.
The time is 4,29
